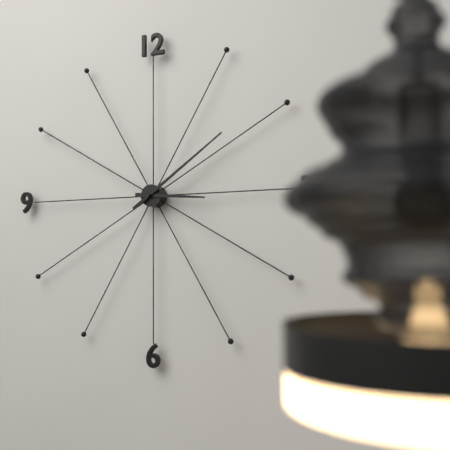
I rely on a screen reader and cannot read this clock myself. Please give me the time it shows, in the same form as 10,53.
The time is 3,09
